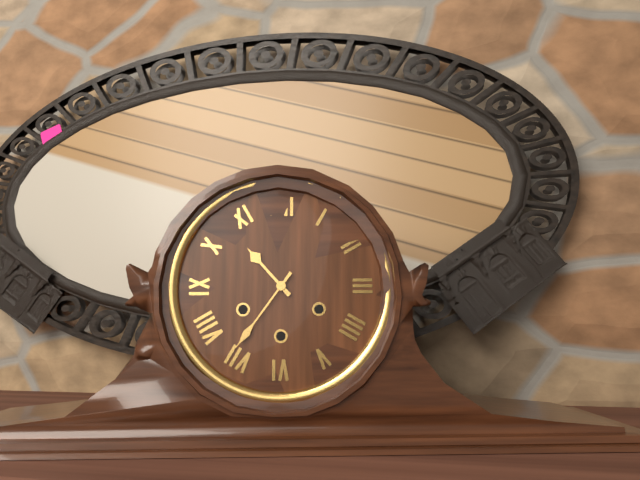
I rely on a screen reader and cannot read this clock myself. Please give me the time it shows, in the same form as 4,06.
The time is 10,36
